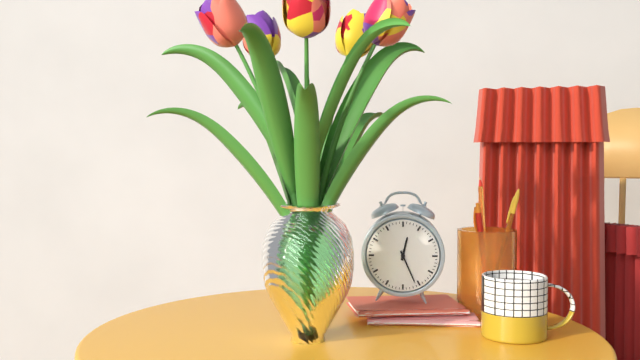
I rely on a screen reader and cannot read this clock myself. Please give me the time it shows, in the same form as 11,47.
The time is 12,26
